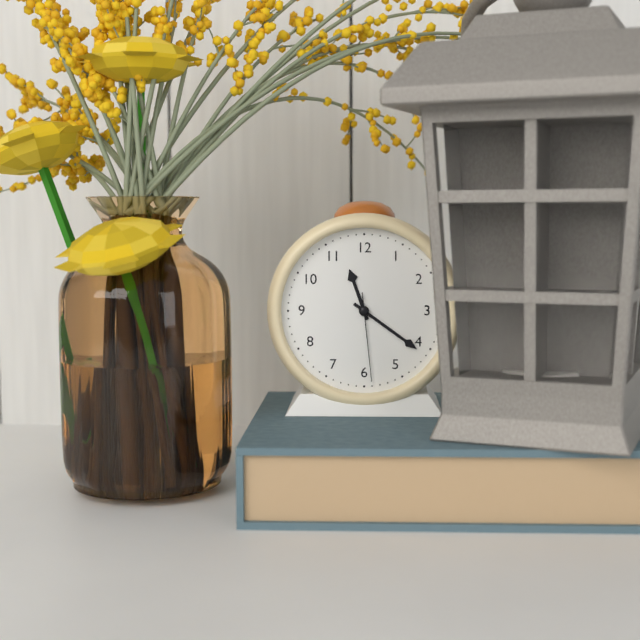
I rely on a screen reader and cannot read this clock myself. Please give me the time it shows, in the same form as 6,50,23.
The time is 11,21,29
